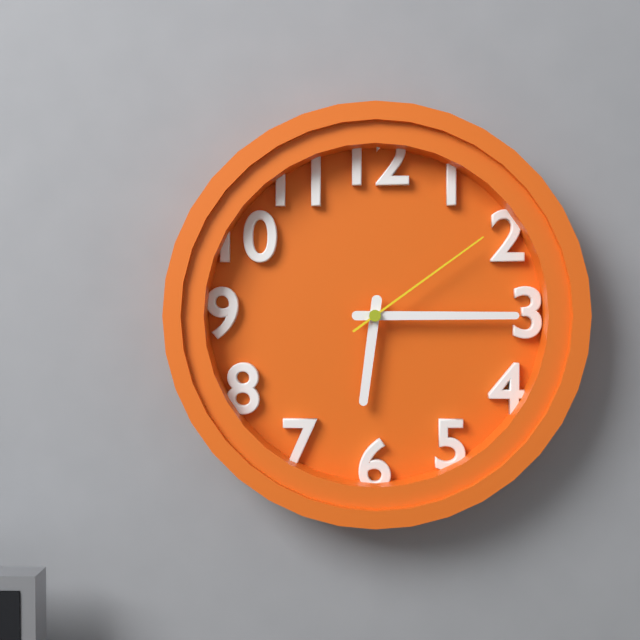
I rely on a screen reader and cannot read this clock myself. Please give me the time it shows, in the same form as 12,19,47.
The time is 6,15,09
